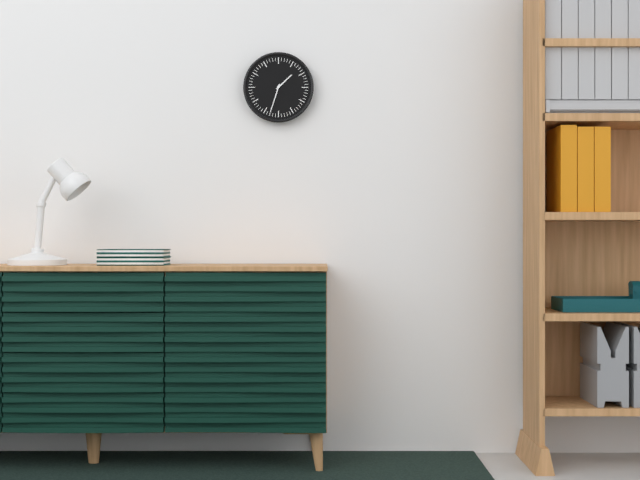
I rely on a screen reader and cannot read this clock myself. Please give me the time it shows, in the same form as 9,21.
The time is 1,33
